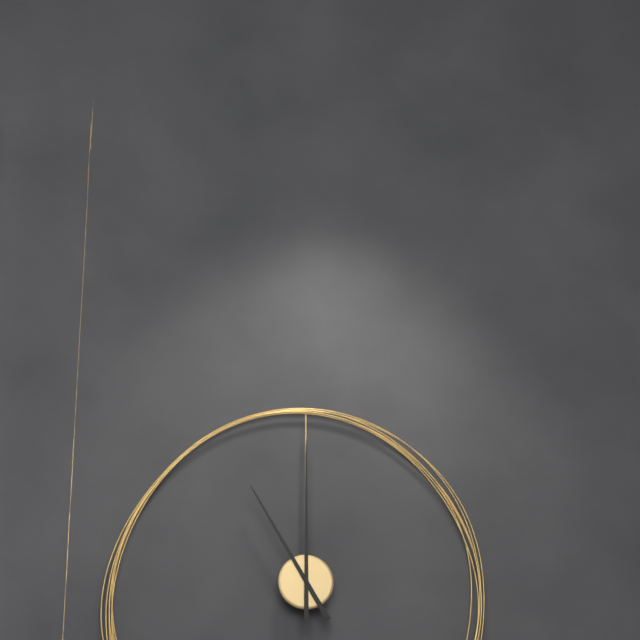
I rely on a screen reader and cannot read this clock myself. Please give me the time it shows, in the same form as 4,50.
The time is 11,00
